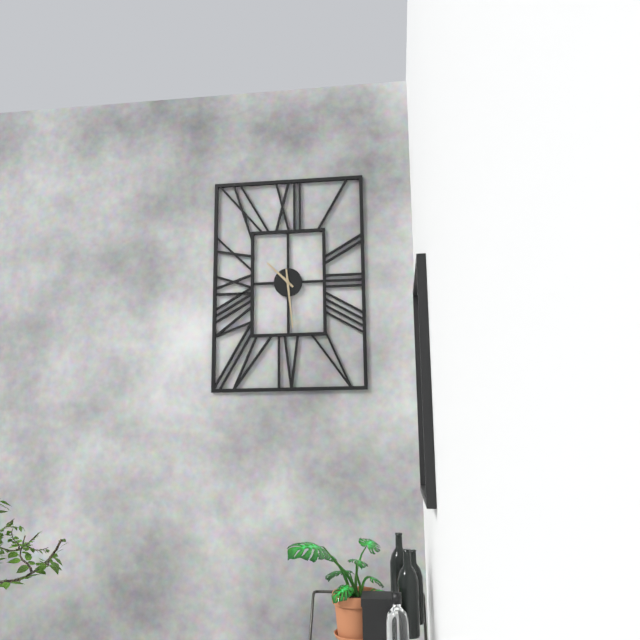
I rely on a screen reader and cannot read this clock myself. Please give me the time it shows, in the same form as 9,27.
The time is 10,29
